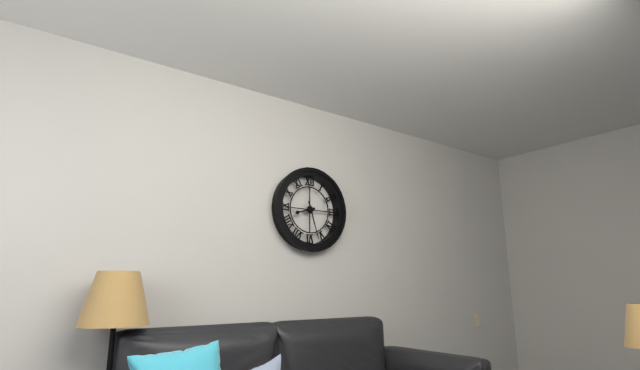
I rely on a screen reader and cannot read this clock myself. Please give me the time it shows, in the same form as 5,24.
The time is 8,27
